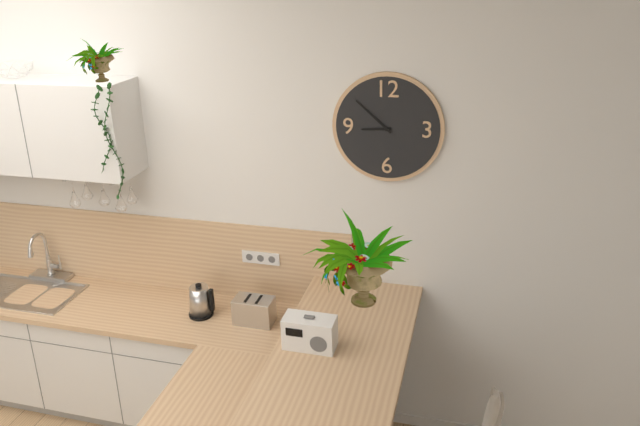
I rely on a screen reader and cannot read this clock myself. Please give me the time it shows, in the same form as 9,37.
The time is 8,52
